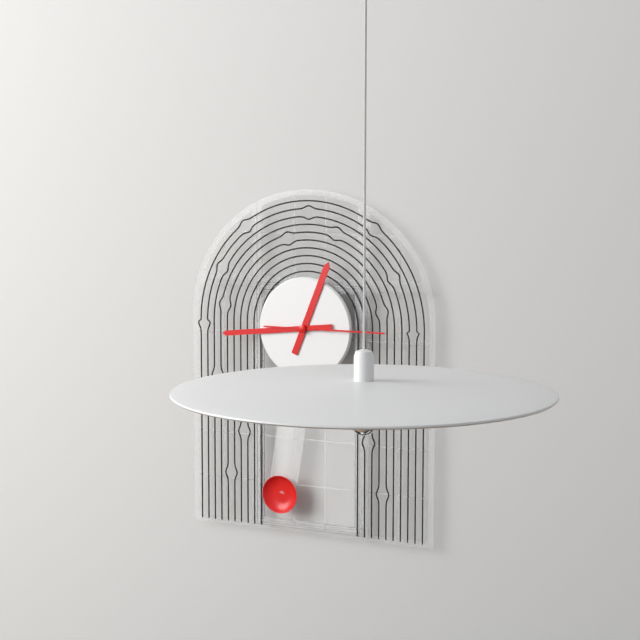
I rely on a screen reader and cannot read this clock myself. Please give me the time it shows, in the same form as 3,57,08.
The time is 12,44,15
